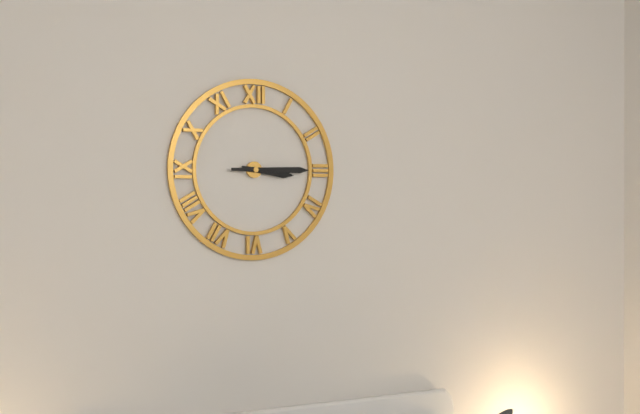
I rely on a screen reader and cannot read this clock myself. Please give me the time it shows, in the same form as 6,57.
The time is 3,15
